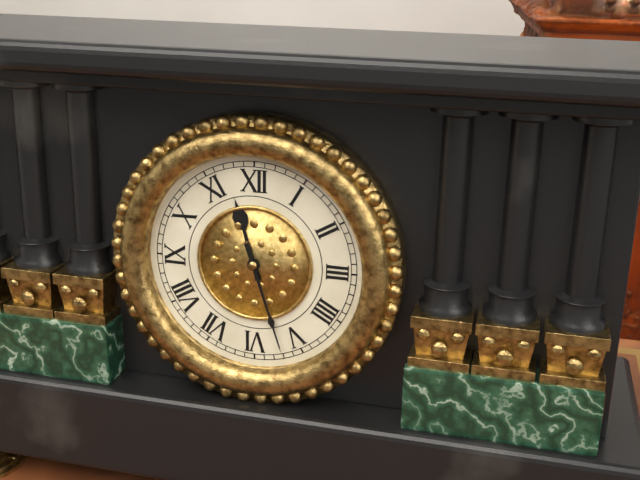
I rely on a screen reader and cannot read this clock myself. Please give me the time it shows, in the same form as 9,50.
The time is 11,27
